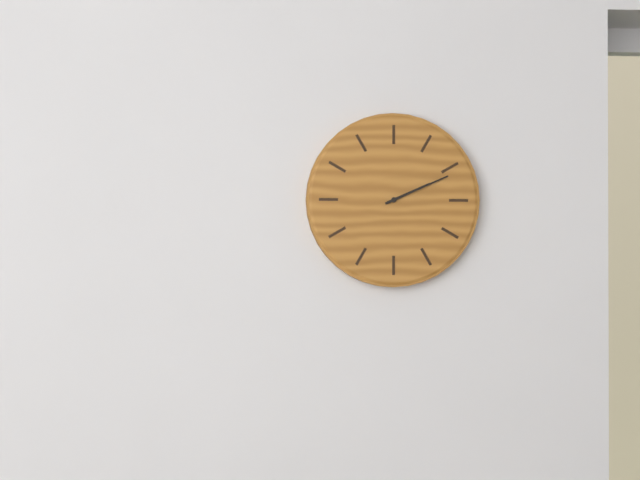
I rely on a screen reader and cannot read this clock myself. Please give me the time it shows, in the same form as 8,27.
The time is 2,11
